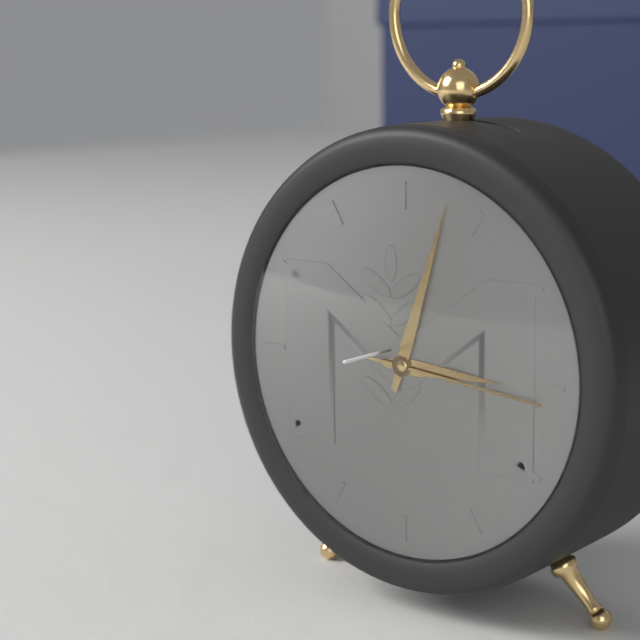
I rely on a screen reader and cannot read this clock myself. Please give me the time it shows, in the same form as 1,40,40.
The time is 3,03,16
